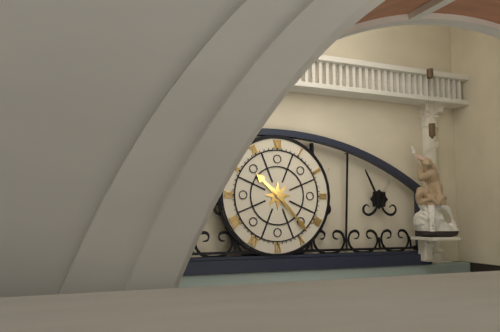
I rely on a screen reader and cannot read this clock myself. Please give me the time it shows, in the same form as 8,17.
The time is 10,23
